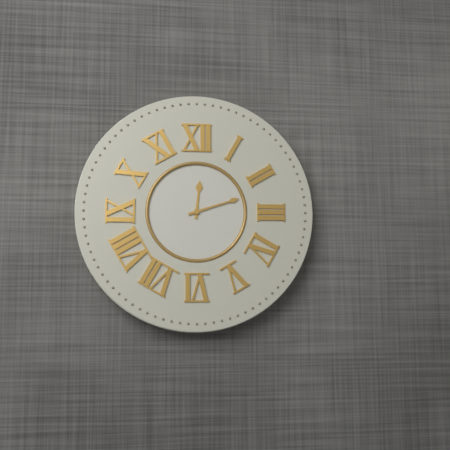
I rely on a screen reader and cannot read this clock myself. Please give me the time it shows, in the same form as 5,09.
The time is 12,12
